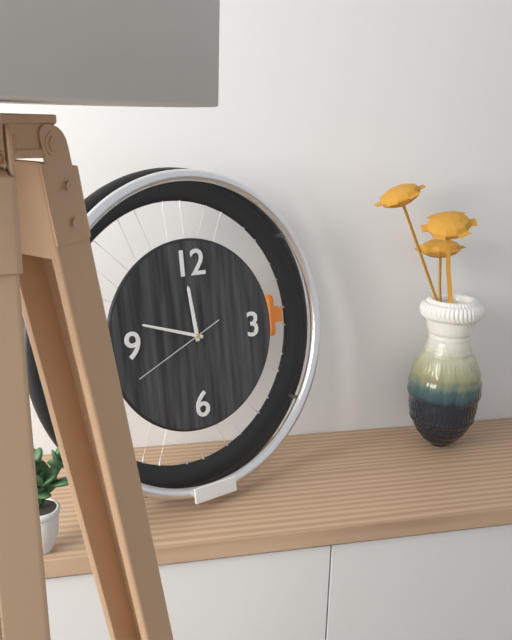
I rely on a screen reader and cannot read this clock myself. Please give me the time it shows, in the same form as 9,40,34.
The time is 11,48,41
